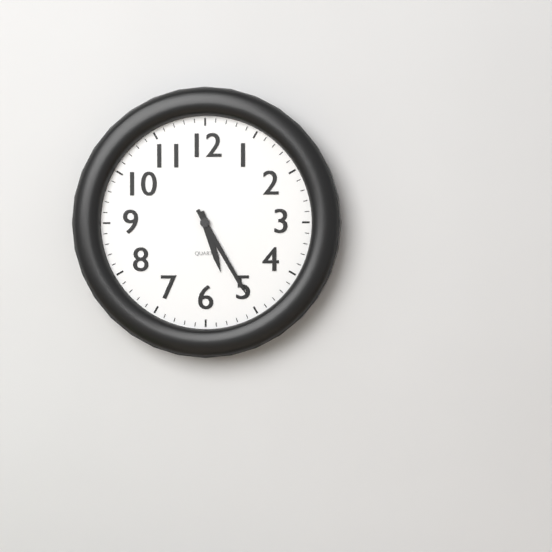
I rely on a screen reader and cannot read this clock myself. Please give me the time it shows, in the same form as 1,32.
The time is 5,25
